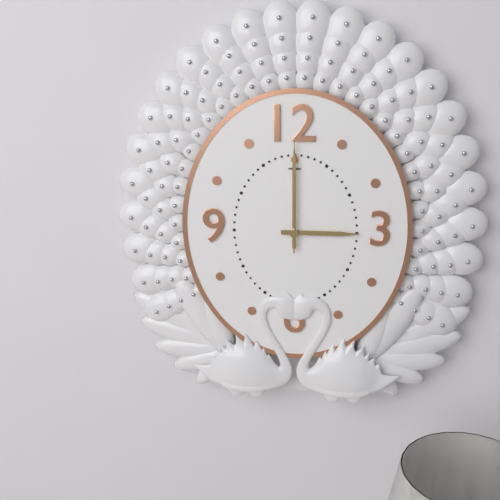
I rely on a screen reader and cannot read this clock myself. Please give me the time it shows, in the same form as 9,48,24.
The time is 3,00,00
